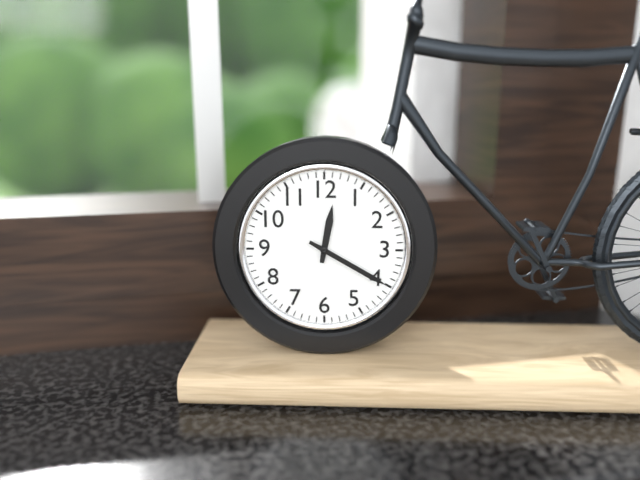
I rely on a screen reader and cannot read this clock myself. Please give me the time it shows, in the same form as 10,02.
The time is 12,20
